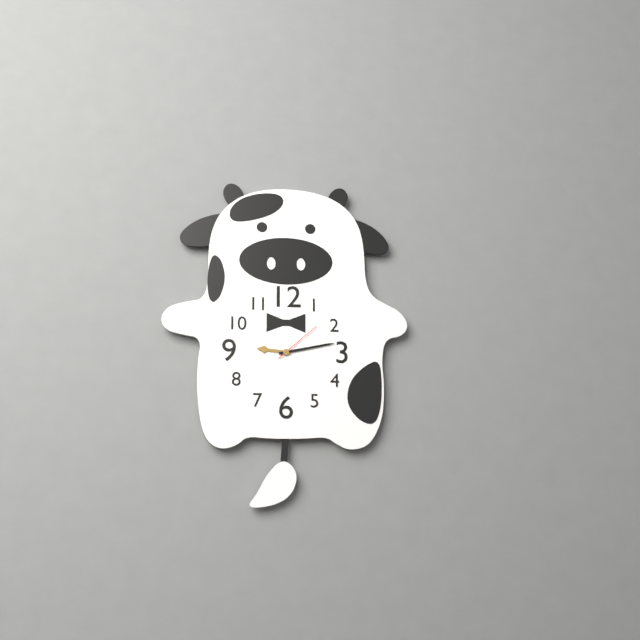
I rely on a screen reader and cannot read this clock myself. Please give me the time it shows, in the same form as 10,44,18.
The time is 9,13,08
